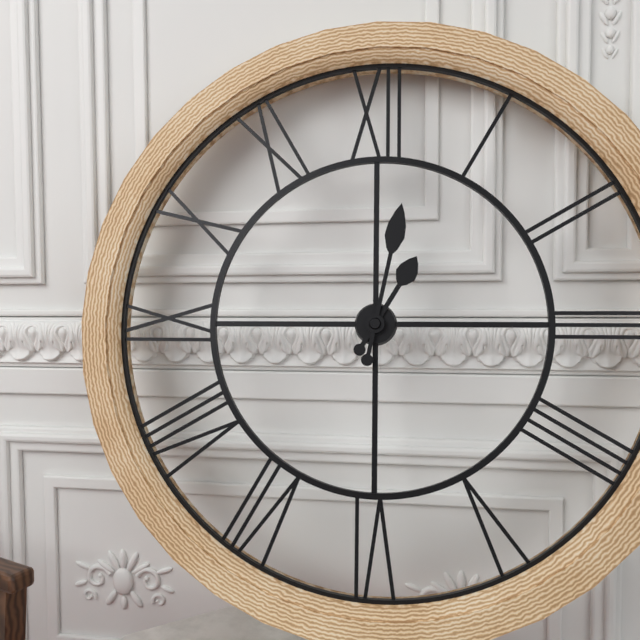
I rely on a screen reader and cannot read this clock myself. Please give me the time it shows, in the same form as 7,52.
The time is 1,02
